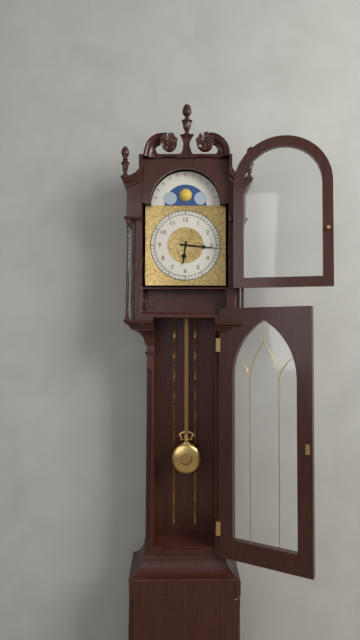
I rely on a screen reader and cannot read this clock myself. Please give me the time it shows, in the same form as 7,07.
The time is 6,16
